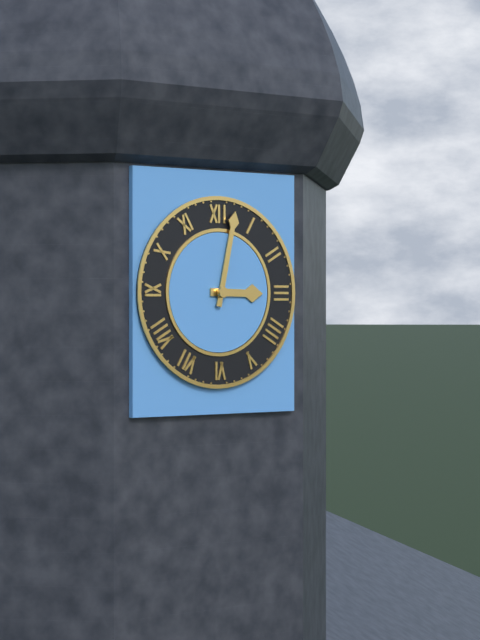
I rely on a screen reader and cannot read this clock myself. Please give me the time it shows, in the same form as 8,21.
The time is 3,02
